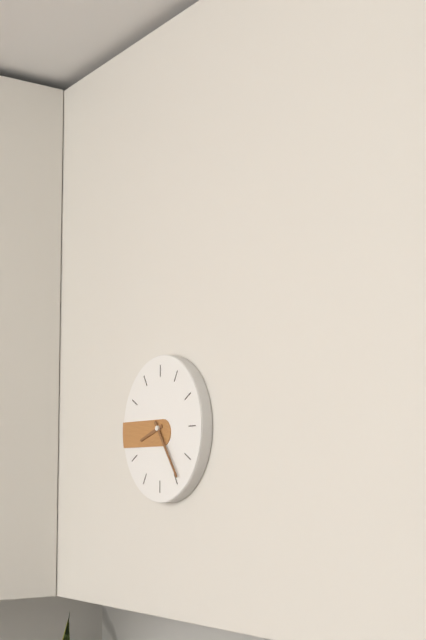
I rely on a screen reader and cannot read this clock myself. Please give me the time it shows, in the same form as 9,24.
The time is 8,24
